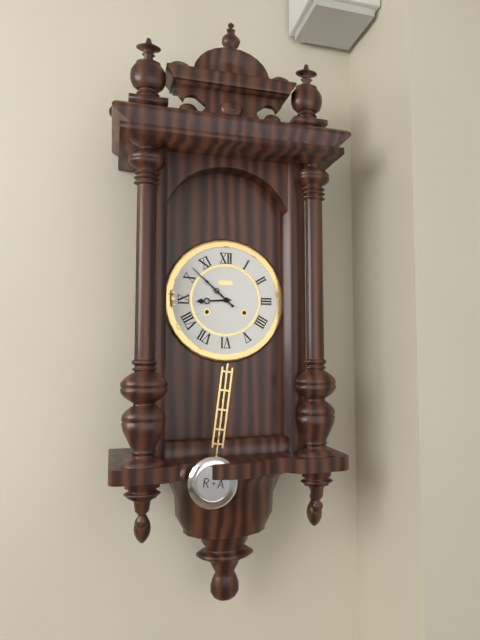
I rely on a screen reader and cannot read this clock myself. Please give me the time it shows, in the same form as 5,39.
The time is 8,52
